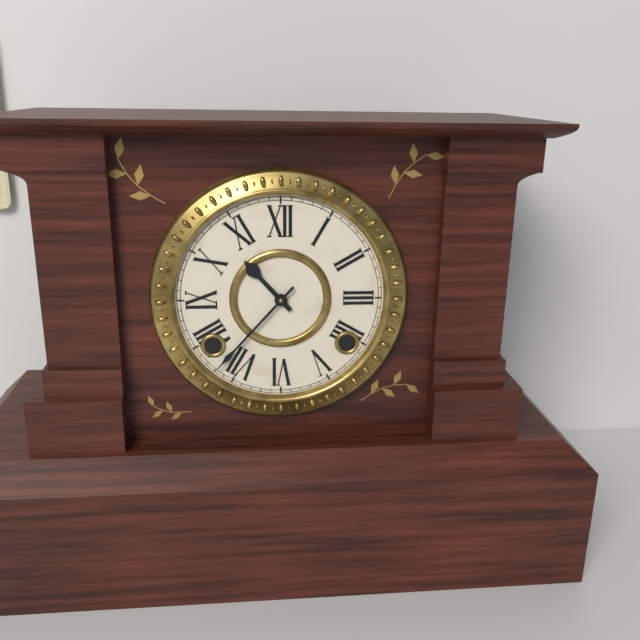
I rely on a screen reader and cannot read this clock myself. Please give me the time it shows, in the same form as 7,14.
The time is 10,37
